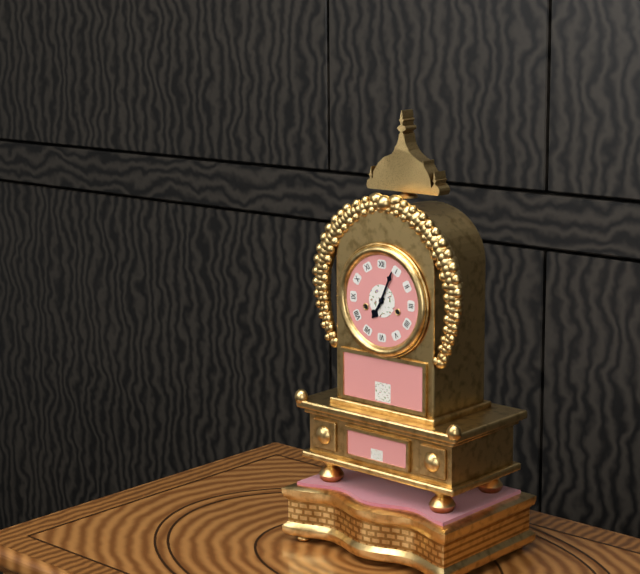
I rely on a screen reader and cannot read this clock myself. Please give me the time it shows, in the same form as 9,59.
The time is 7,04
